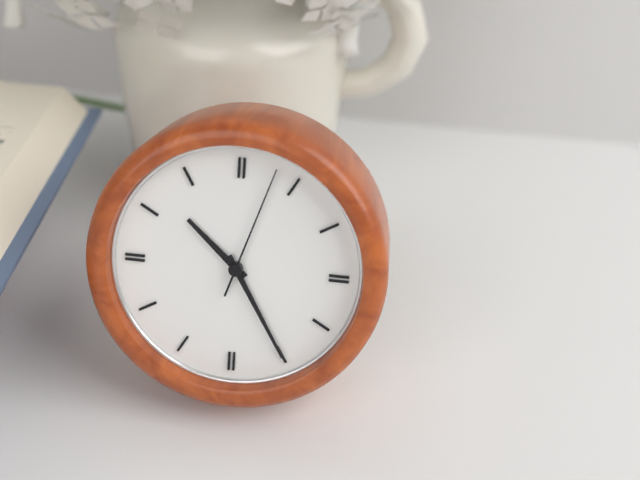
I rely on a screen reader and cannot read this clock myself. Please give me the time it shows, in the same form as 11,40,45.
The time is 10,25,03
